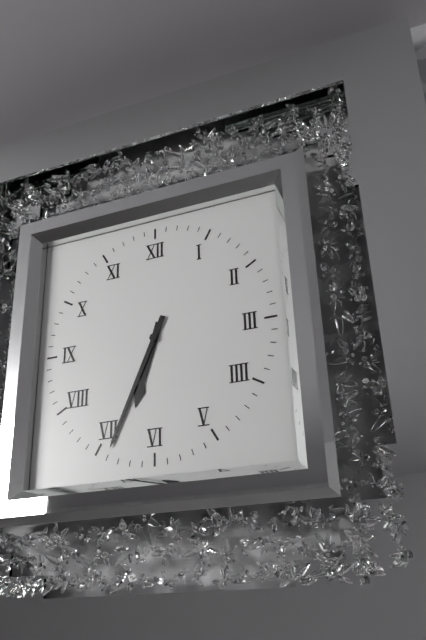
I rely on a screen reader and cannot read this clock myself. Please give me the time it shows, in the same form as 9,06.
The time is 6,34
